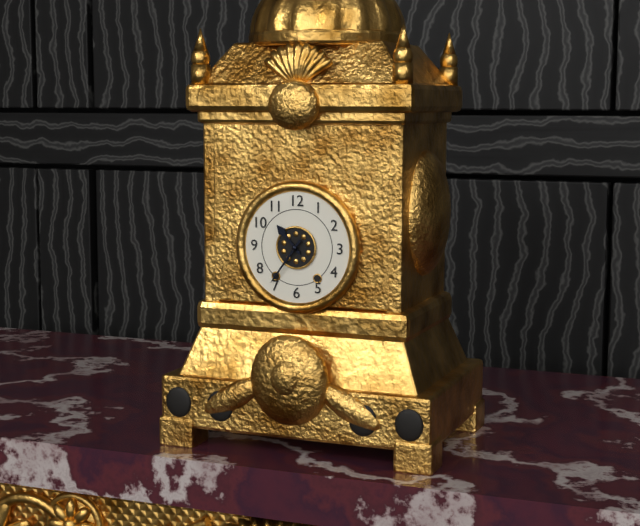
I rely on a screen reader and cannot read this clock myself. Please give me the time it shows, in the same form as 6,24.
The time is 10,36
